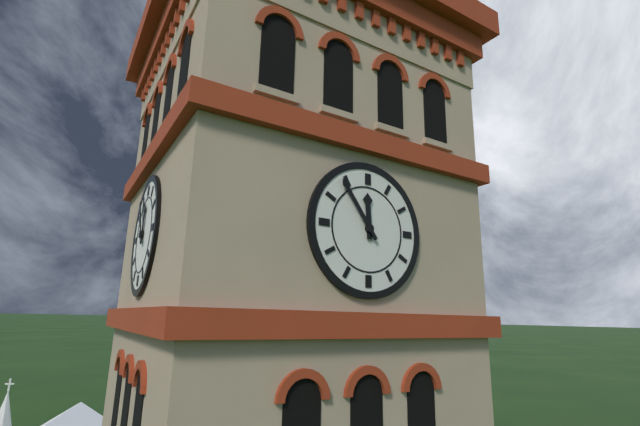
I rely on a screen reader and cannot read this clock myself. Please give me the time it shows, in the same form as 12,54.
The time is 11,54
